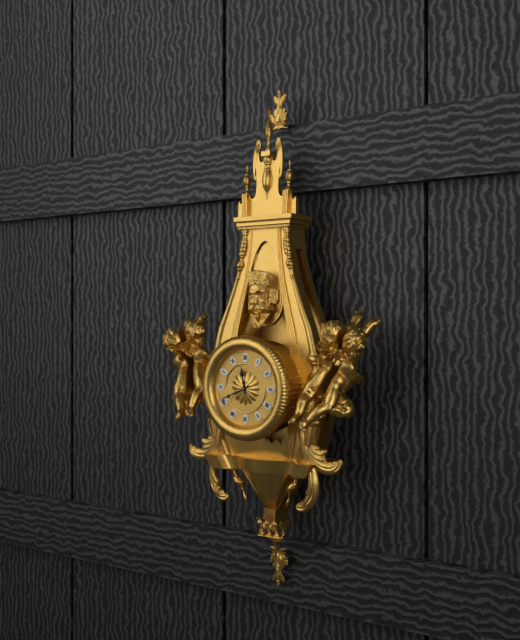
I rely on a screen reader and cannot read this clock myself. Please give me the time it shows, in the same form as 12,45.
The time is 11,41
